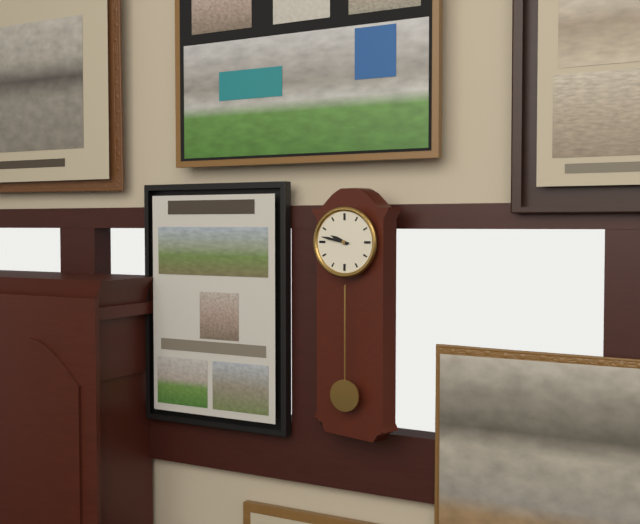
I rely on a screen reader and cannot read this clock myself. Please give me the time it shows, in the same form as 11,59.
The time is 9,47
